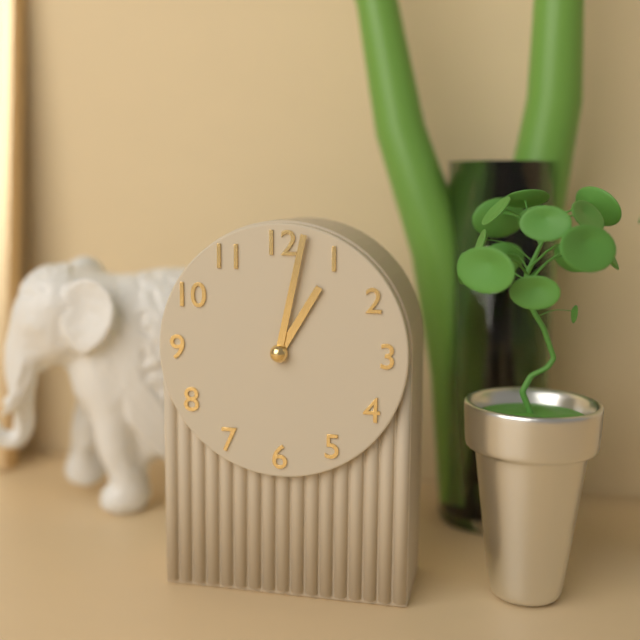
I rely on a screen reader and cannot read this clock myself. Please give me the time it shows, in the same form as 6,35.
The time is 1,02
